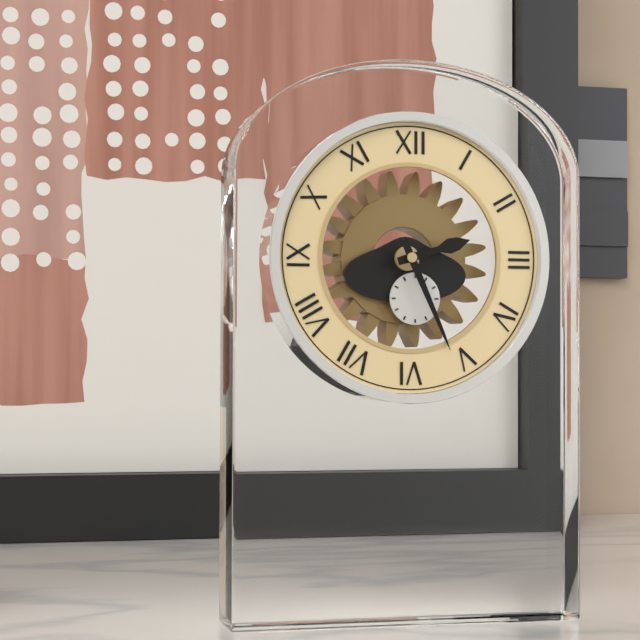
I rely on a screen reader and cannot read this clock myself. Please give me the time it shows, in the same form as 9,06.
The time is 2,26
